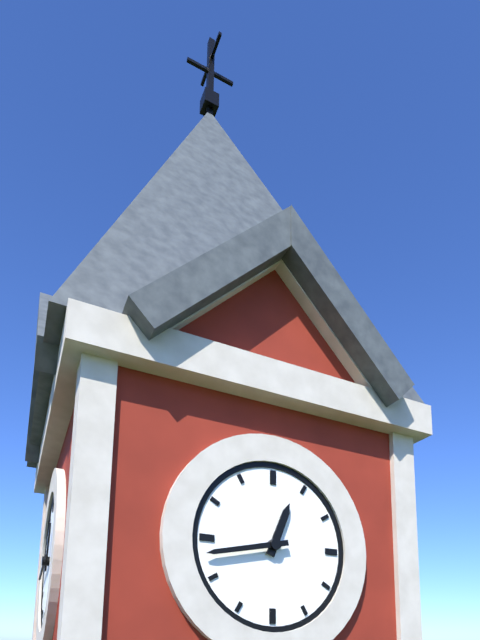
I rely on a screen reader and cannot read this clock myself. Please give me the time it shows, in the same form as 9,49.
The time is 12,43
